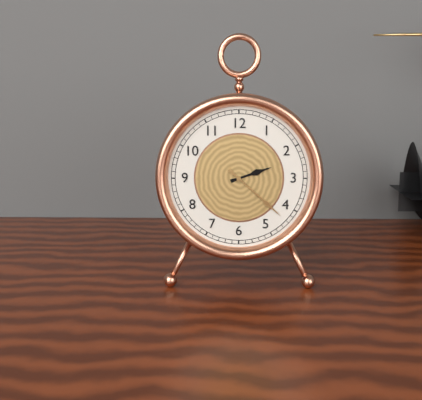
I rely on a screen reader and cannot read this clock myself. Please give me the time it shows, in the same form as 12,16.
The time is 2,22
